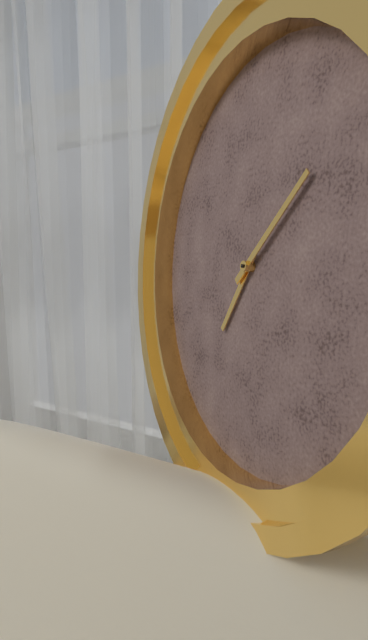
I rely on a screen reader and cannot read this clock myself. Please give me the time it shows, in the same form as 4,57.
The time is 7,08
